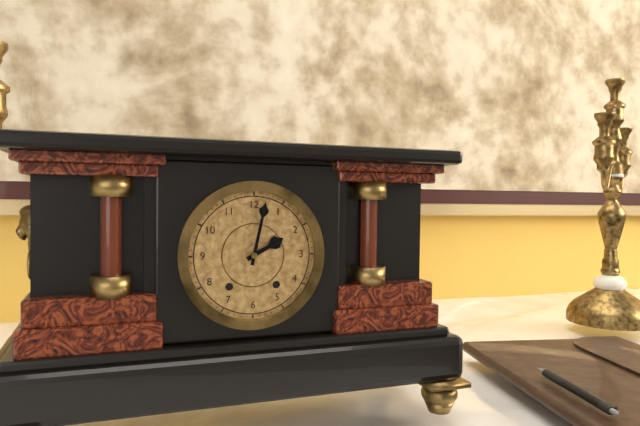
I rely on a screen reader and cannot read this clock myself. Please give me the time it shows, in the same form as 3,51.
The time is 2,02
